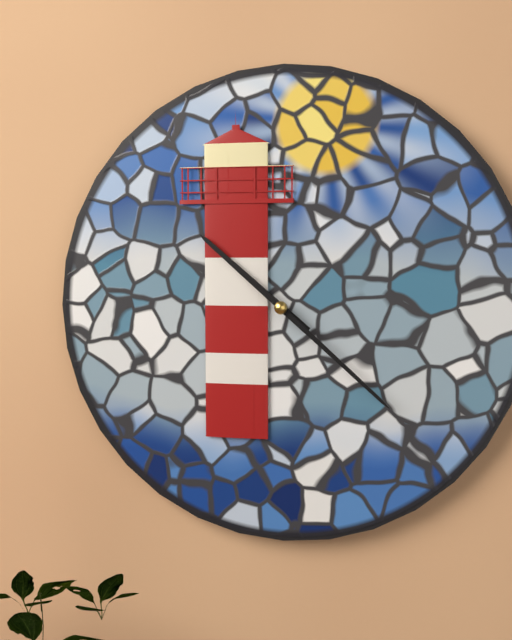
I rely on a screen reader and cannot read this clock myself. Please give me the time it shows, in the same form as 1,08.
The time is 10,22
